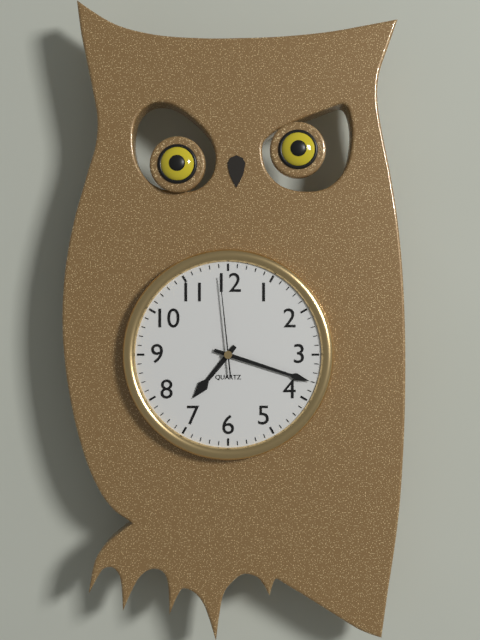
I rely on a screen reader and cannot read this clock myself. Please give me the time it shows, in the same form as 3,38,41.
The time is 7,18,59
